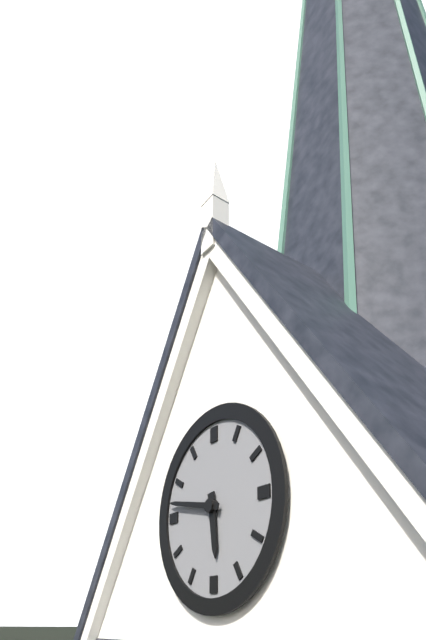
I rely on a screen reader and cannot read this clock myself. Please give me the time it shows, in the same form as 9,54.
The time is 5,47
